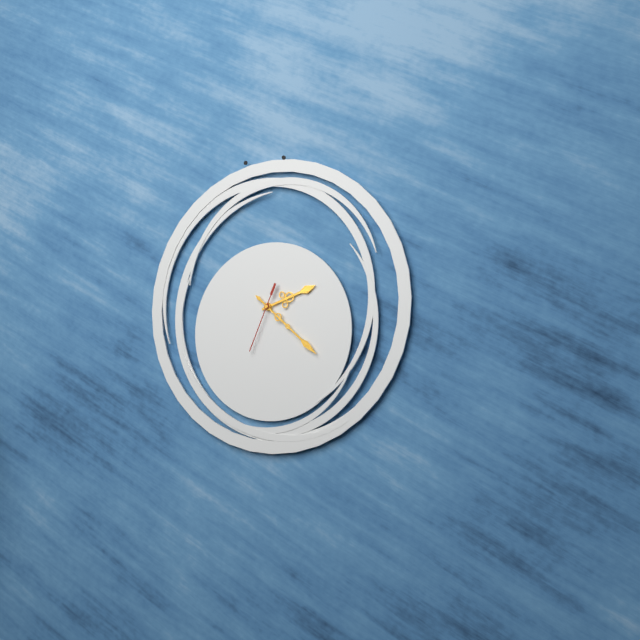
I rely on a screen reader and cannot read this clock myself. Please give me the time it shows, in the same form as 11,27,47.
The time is 2,22,34
